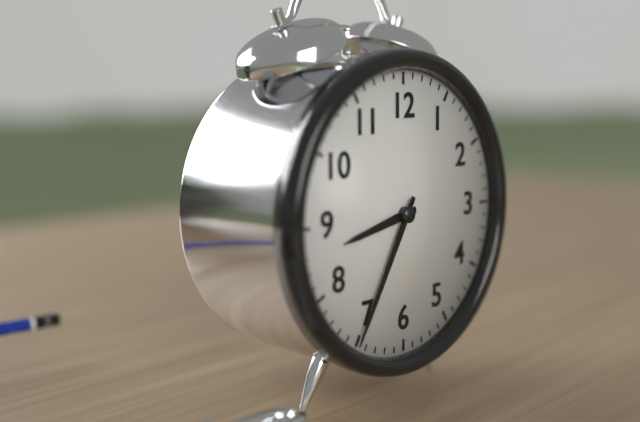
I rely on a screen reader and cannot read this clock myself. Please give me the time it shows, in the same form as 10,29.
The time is 8,35
